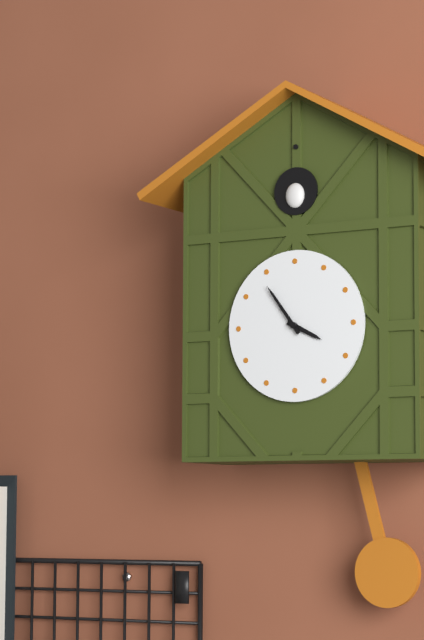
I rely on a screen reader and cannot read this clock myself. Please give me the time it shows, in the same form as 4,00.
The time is 3,54
